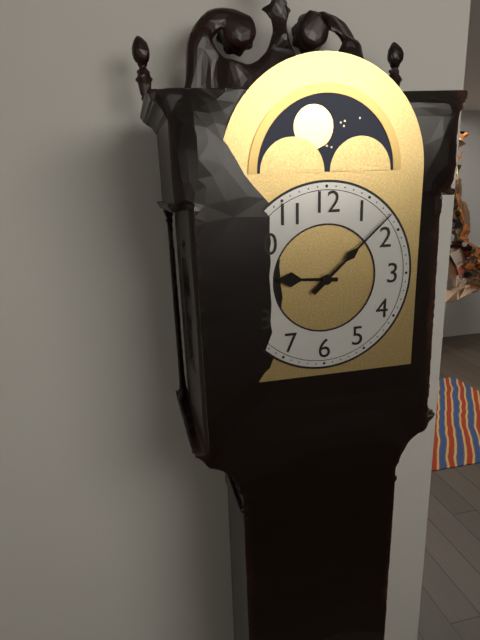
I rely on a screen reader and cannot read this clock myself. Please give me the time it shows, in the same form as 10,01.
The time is 9,08
